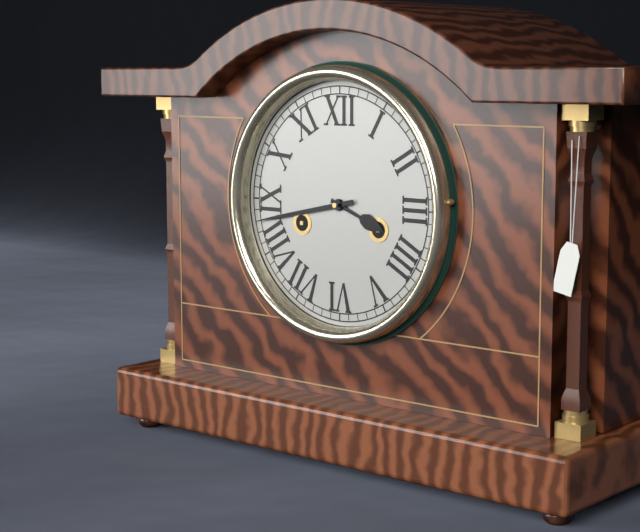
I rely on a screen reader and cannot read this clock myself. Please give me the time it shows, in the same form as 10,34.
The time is 3,43
